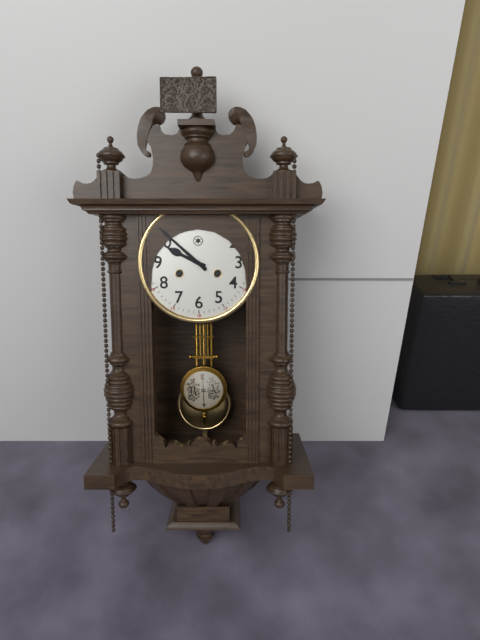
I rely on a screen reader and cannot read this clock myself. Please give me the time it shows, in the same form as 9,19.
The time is 9,52
